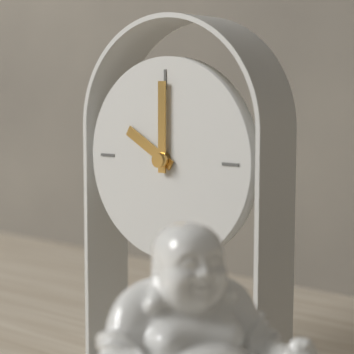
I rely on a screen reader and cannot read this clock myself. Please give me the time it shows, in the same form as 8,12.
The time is 10,00
